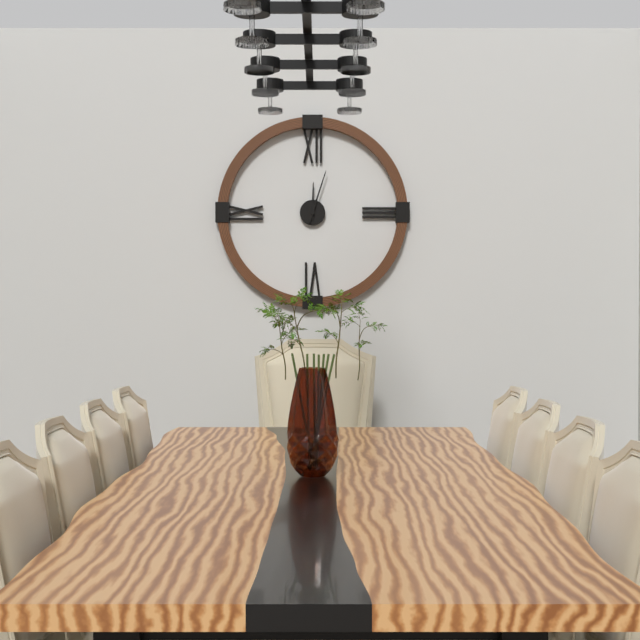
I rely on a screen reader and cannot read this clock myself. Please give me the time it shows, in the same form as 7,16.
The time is 12,03
